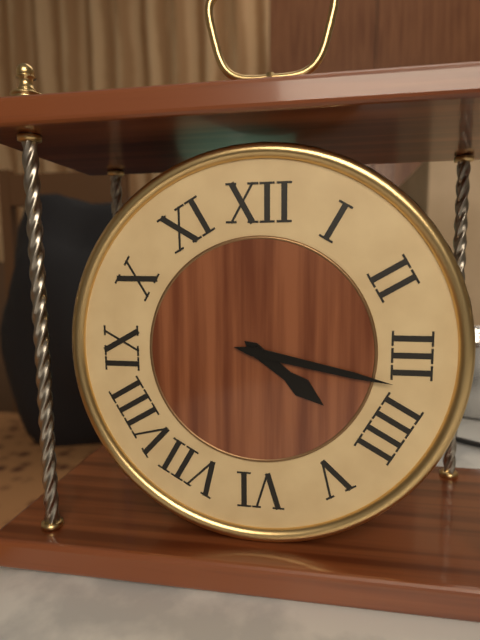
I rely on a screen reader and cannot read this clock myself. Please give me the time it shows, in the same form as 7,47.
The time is 4,17
